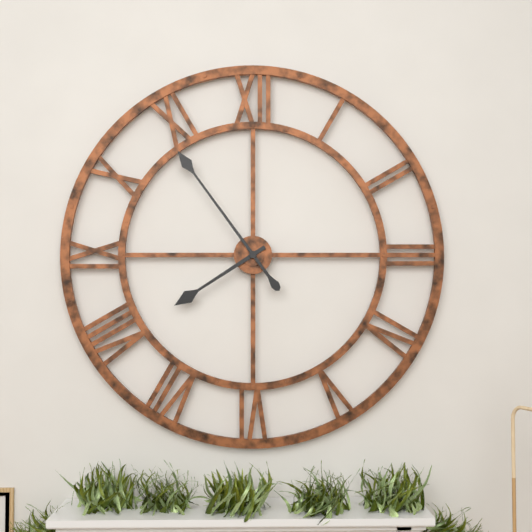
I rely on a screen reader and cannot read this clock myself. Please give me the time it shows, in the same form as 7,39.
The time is 7,54
